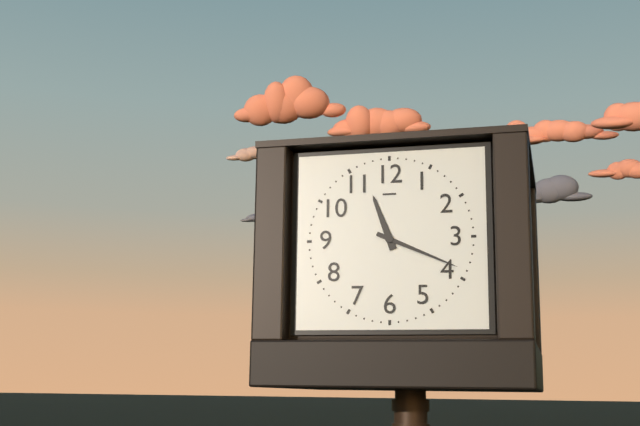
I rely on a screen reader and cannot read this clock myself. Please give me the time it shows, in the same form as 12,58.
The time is 11,19
